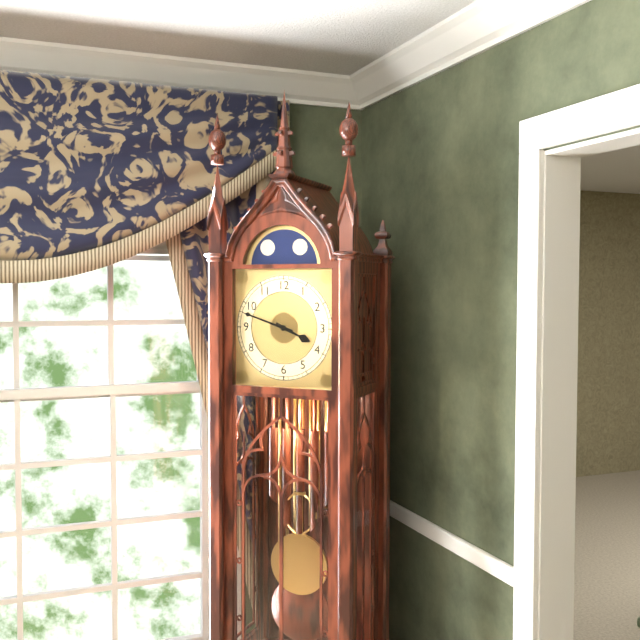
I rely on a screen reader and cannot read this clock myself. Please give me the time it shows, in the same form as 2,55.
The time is 3,48
